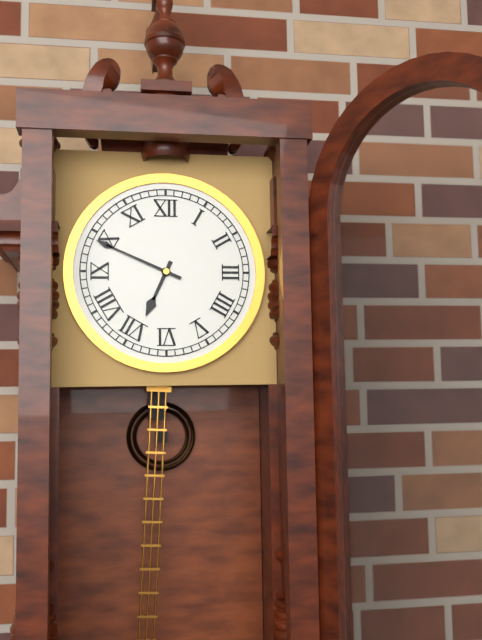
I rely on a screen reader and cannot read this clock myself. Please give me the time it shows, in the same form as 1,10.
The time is 6,49
